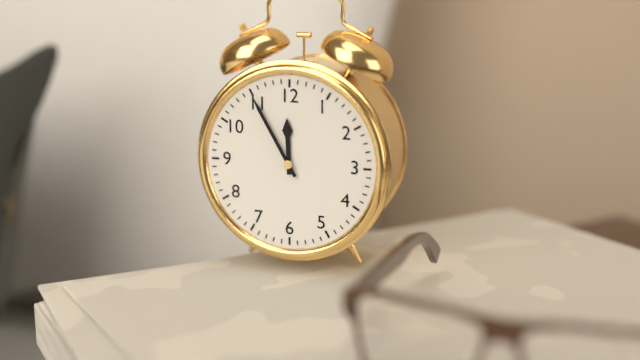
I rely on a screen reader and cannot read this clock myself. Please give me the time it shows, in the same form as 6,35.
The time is 11,55
